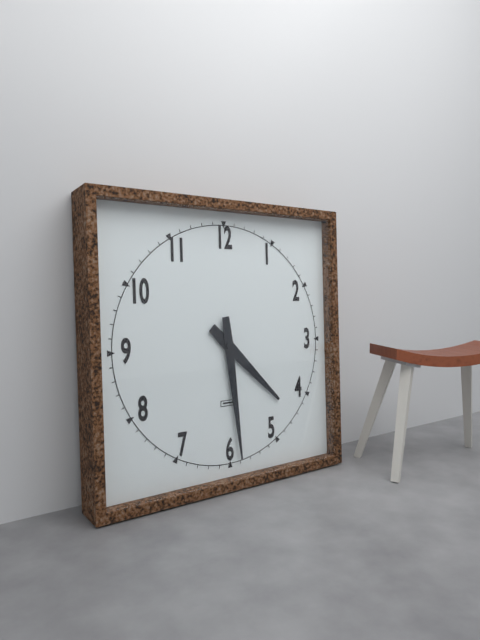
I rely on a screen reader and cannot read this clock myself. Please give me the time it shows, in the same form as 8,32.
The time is 4,29
